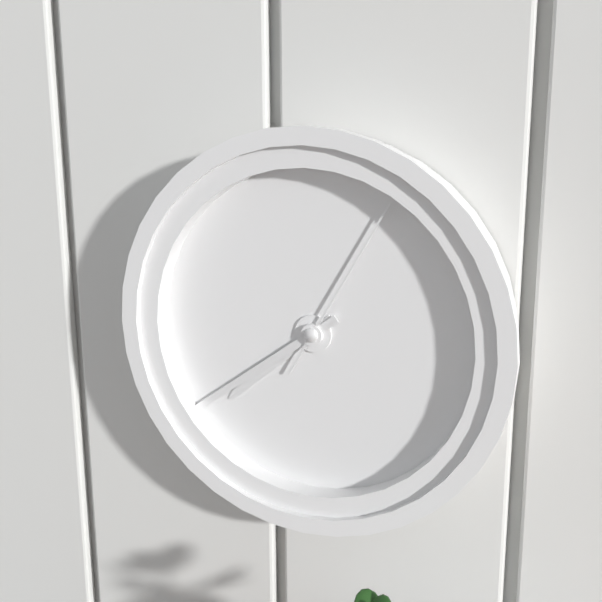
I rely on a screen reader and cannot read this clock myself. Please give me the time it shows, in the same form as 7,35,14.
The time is 7,39,05
